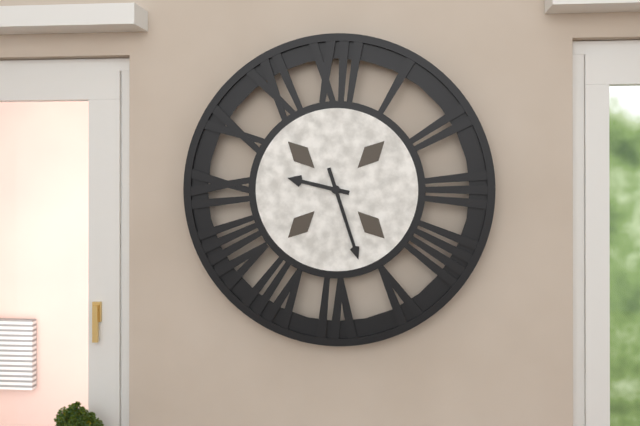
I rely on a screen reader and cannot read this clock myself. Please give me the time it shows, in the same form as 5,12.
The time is 9,27
